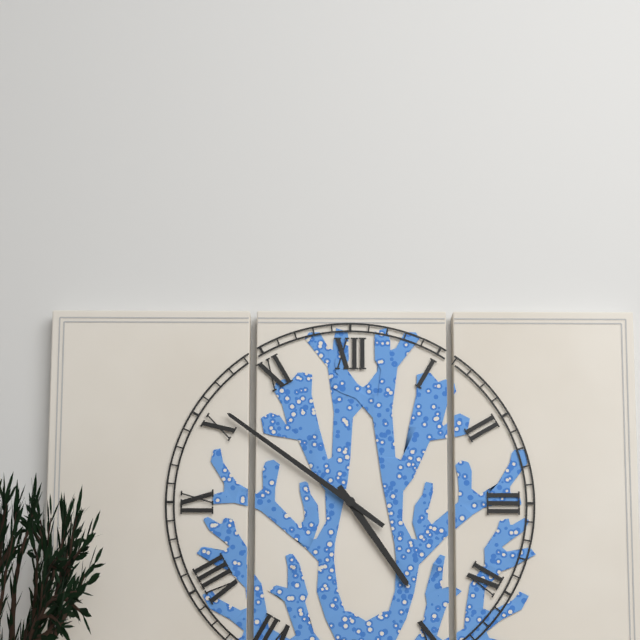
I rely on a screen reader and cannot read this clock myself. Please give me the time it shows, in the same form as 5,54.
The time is 4,51
